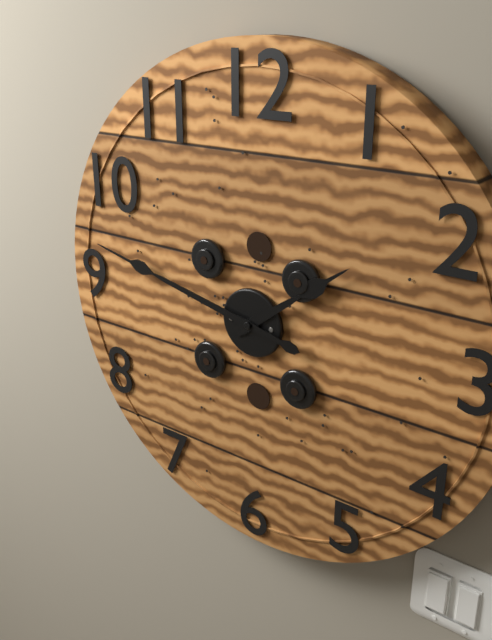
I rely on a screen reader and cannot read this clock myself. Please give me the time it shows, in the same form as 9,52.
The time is 1,47
